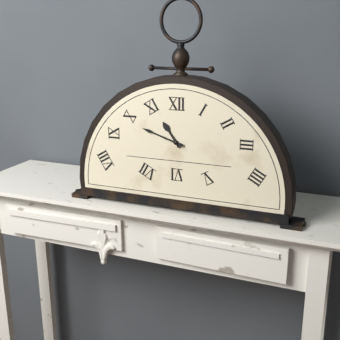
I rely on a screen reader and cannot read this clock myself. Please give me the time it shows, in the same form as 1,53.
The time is 10,48
